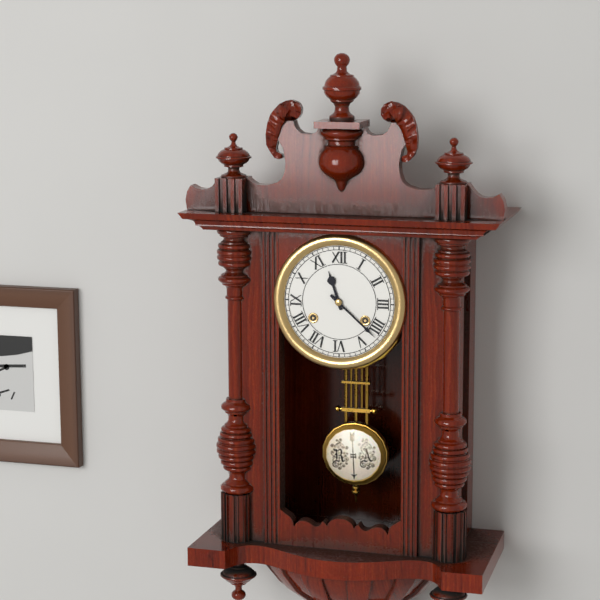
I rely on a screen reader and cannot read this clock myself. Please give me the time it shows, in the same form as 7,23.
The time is 11,22
